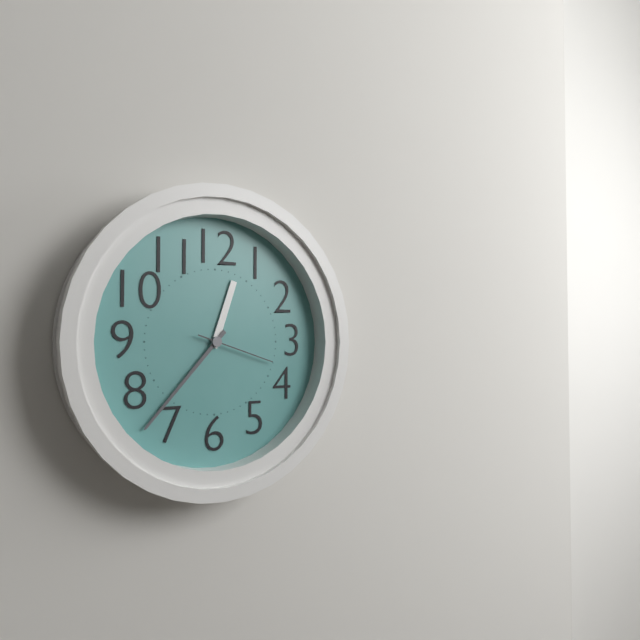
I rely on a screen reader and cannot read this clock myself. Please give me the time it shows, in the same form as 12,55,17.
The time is 12,37,18
